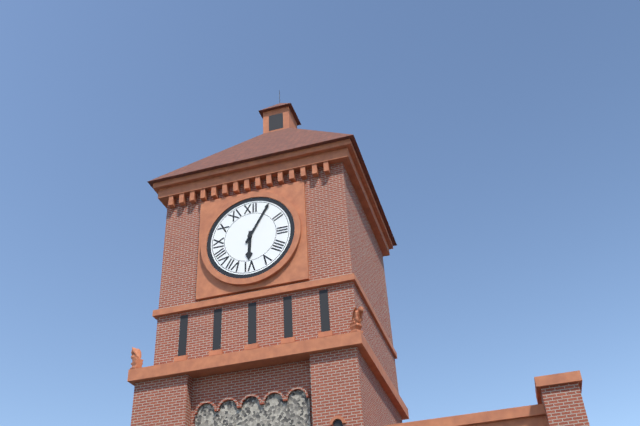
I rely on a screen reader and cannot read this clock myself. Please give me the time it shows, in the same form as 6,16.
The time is 6,05
